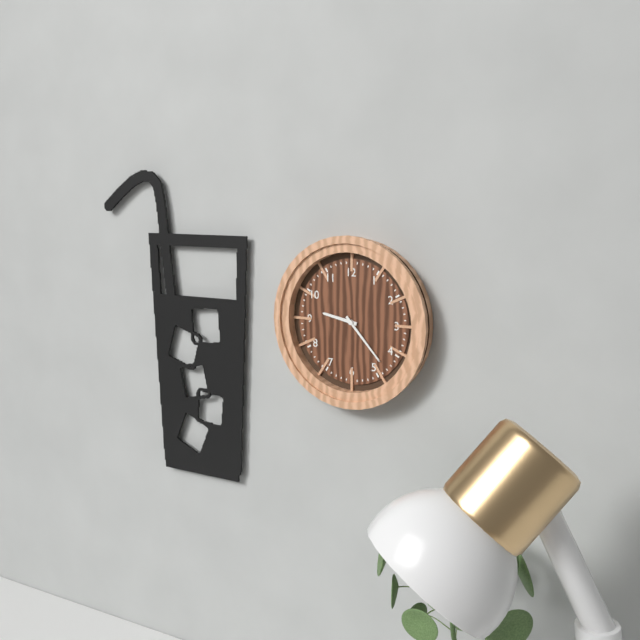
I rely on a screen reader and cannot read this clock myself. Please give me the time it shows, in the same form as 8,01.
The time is 9,23
